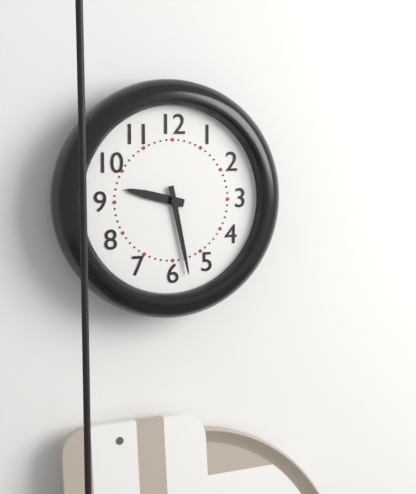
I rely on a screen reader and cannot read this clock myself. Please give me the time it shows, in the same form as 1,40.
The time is 9,28
